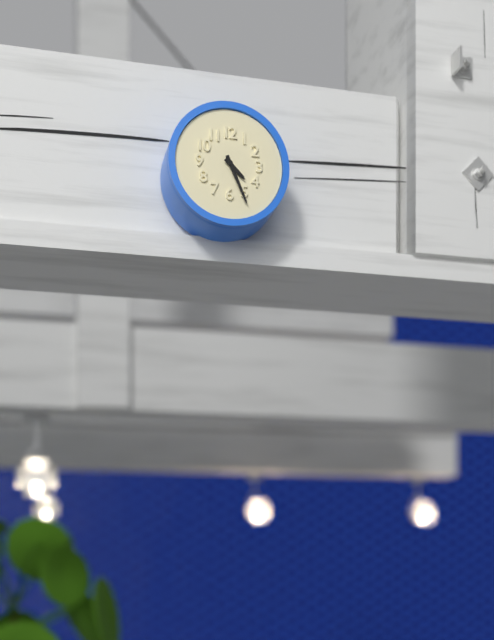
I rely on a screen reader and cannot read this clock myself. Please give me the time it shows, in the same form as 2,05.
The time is 4,26
